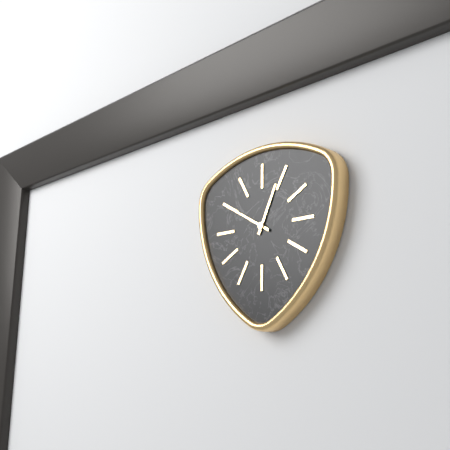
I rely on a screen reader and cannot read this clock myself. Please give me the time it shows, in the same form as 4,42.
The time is 12,50
